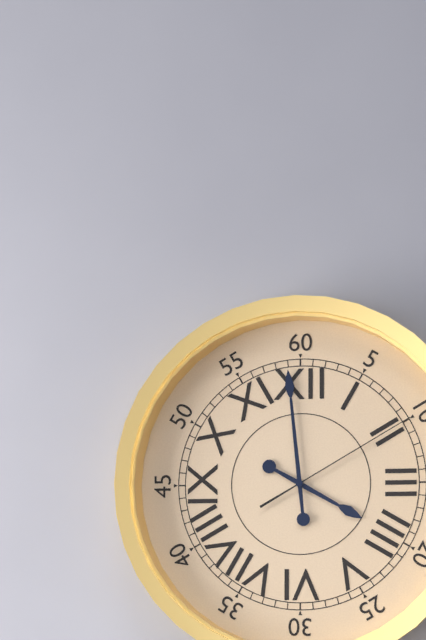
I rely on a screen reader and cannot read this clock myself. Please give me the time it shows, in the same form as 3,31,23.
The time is 3,59,10
